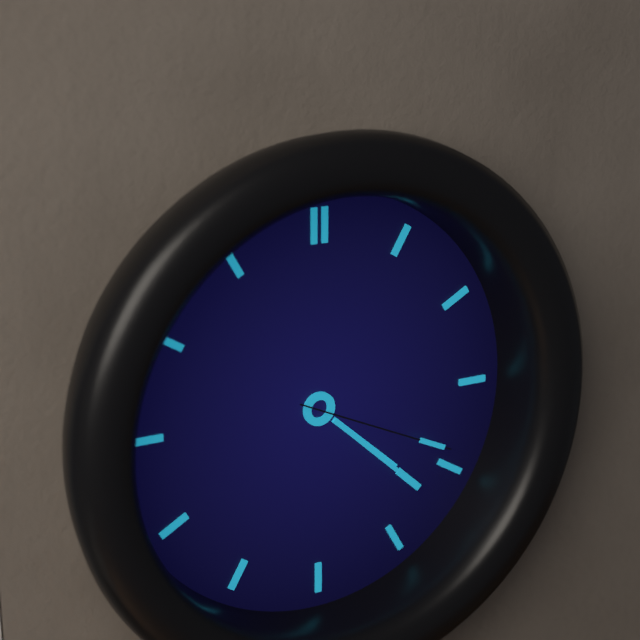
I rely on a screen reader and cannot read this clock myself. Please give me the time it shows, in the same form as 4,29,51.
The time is 4,22,19
